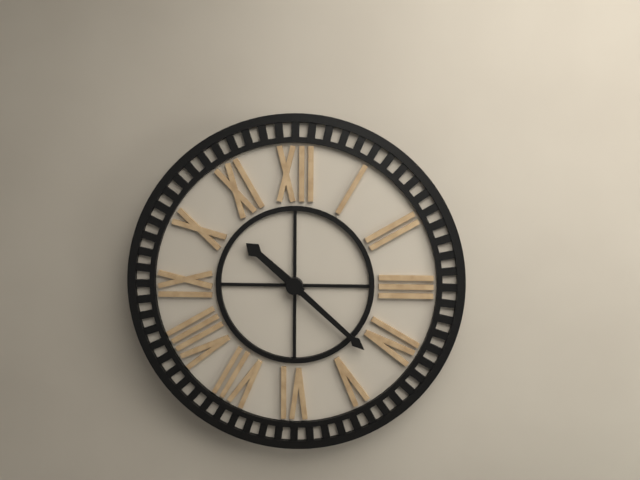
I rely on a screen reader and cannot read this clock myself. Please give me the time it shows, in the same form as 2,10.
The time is 10,22
